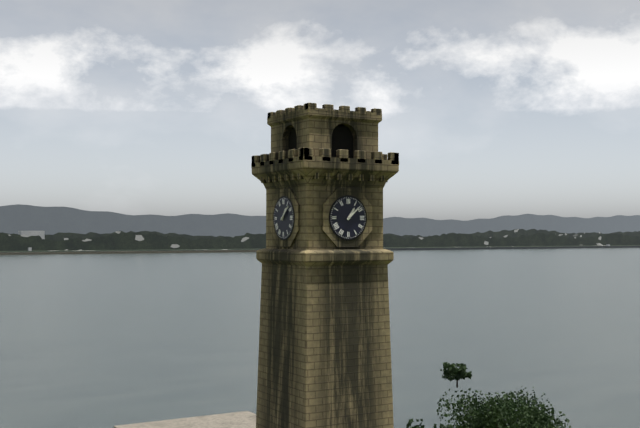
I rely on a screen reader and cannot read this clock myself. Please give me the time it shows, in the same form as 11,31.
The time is 1,08
